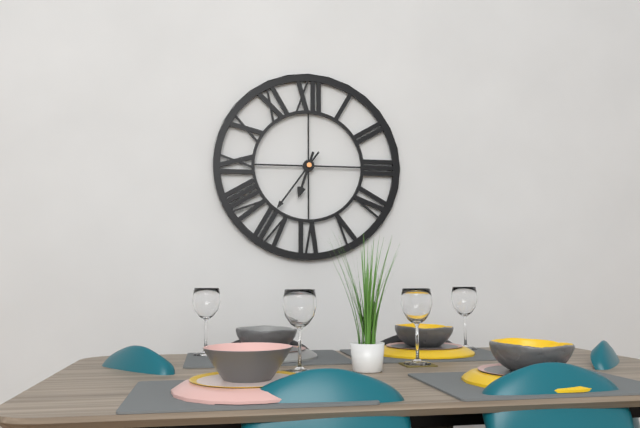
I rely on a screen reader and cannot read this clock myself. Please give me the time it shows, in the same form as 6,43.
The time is 6,36
